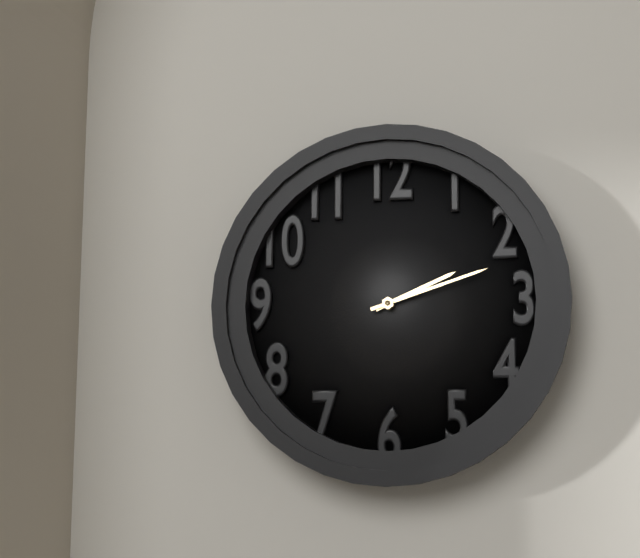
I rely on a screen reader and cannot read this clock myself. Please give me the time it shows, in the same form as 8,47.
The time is 2,12
